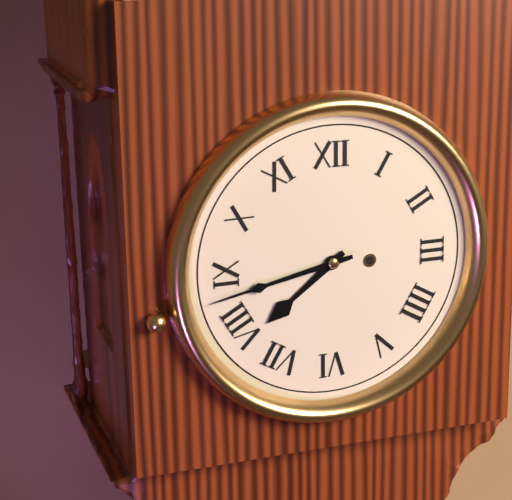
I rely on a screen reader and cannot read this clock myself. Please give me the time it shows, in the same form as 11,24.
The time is 7,43
